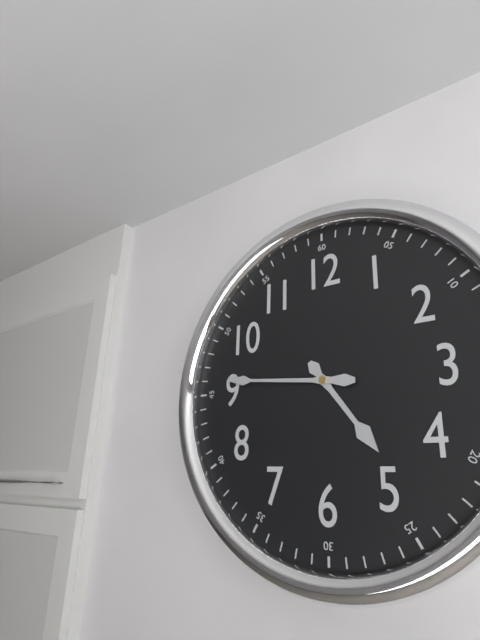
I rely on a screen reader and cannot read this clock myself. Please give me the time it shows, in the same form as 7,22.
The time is 4,46
